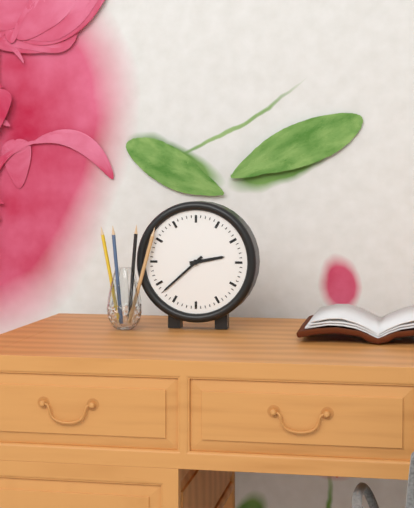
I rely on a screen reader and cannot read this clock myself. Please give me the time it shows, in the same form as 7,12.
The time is 2,38
